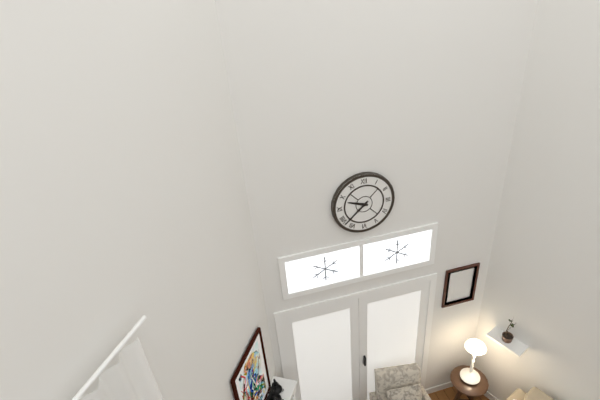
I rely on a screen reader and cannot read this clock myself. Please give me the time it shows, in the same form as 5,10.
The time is 9,38
